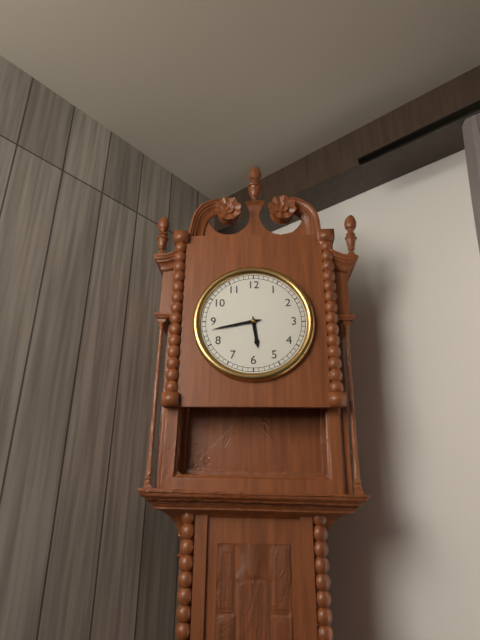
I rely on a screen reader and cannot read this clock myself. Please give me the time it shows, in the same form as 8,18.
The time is 5,43
